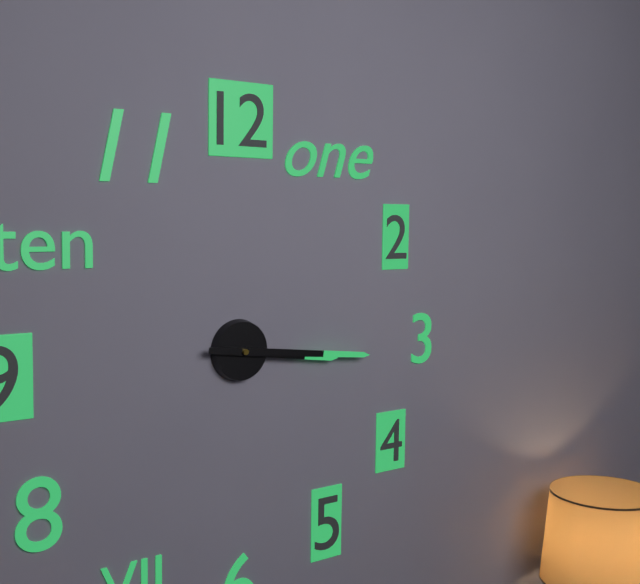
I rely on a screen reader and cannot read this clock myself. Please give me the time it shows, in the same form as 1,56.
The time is 3,16
